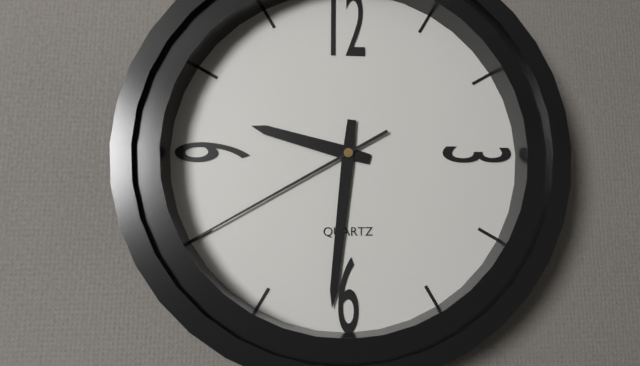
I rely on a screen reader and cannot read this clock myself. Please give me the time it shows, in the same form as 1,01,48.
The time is 9,31,40
